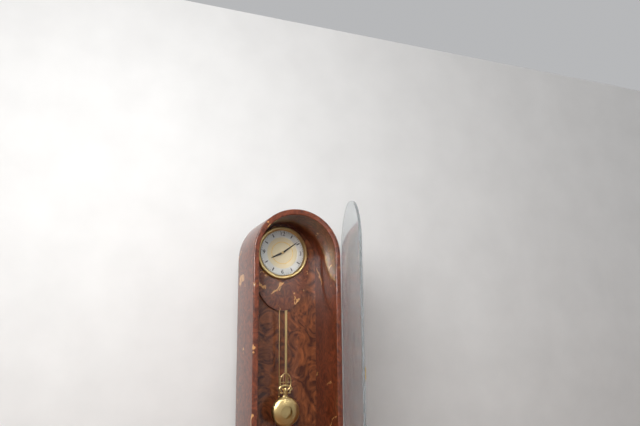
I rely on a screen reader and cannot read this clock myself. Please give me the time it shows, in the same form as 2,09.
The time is 8,09
